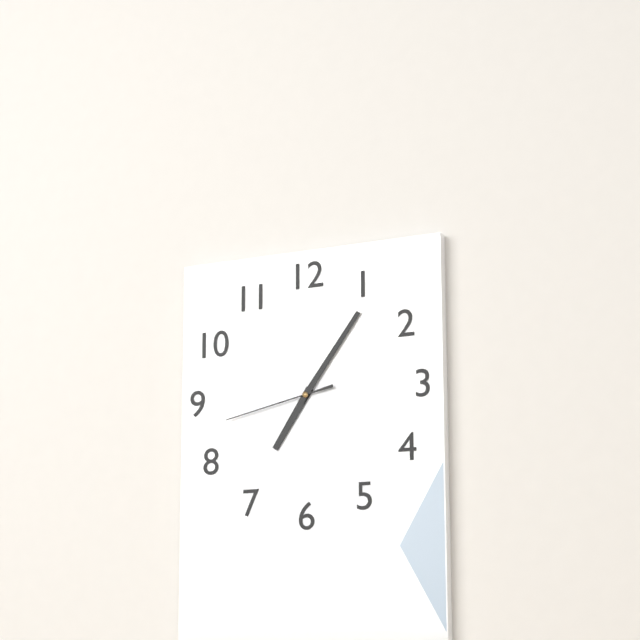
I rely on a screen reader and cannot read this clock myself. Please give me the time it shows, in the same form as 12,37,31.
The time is 7,06,43
